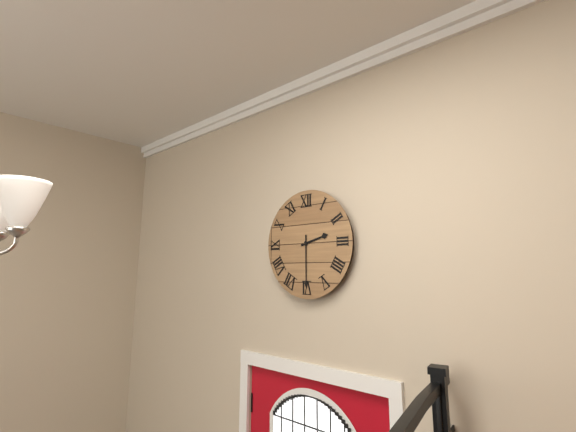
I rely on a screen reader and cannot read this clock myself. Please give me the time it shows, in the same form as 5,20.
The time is 2,30
